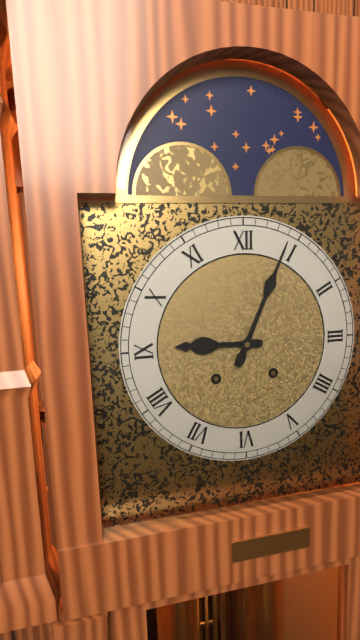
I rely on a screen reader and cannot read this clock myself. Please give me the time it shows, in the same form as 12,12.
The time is 9,04
